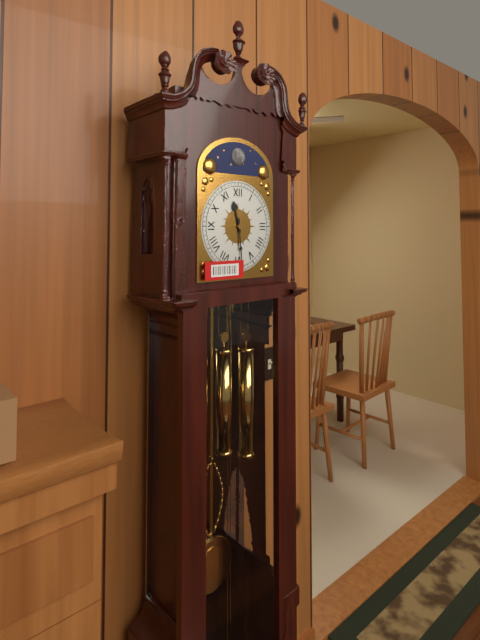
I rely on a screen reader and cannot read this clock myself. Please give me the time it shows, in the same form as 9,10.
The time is 11,29
